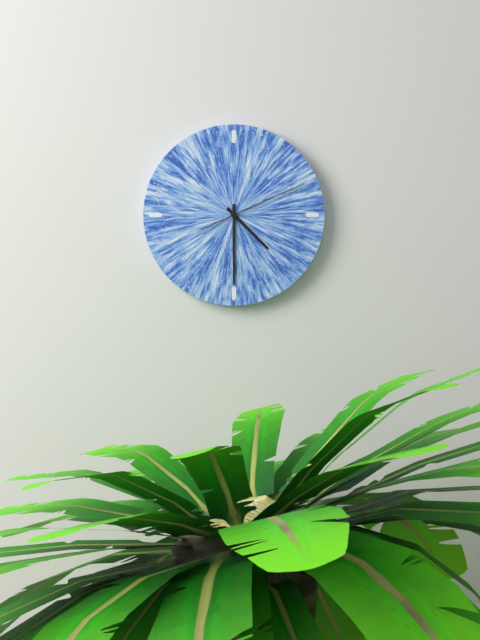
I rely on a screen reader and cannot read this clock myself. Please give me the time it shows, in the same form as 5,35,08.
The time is 4,30,11
